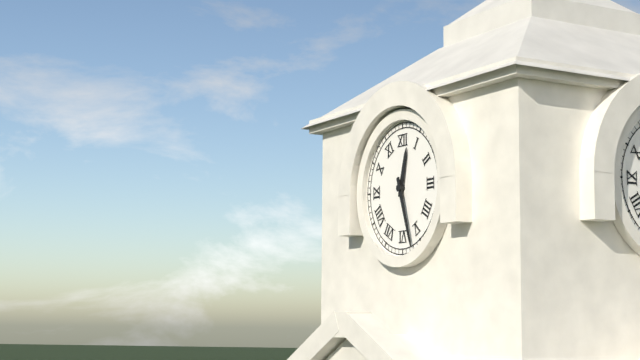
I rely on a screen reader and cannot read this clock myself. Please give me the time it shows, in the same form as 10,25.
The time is 12,27
